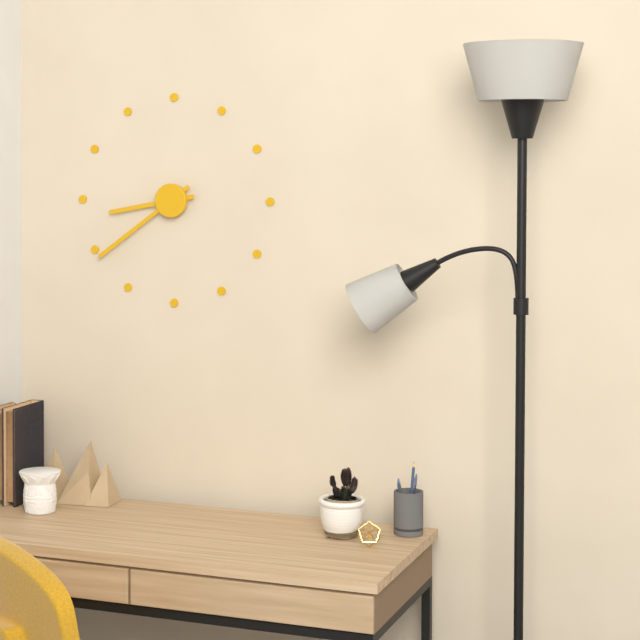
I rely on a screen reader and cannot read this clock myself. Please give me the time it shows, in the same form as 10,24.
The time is 8,39
